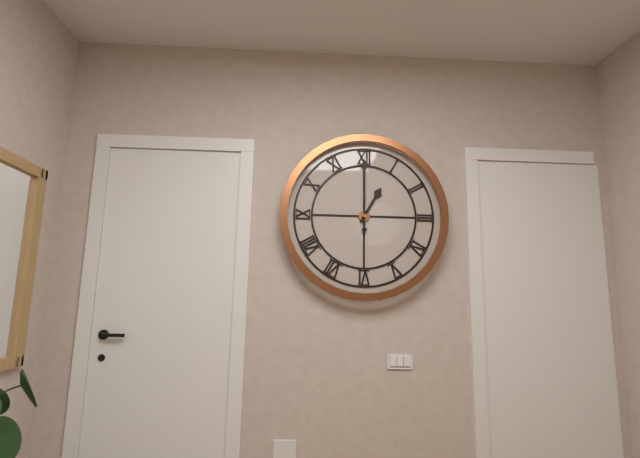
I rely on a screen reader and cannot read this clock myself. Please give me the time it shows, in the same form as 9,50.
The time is 1,00
